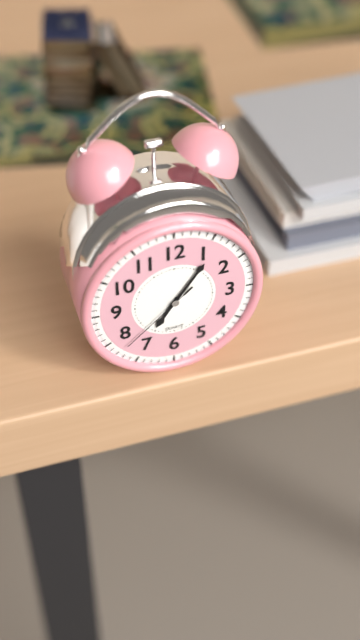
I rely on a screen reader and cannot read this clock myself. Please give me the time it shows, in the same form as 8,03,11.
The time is 7,06,38
